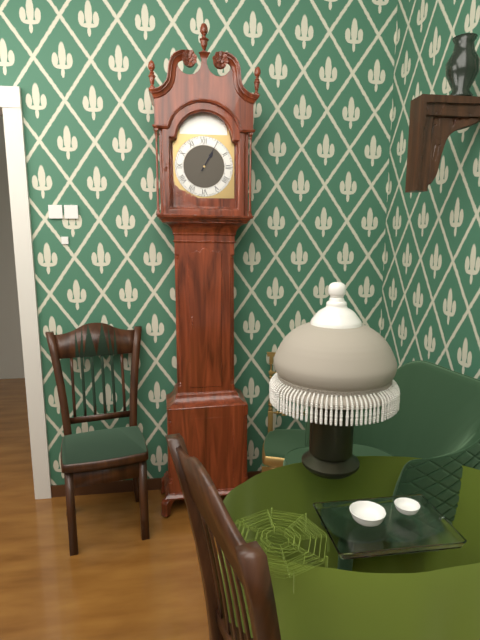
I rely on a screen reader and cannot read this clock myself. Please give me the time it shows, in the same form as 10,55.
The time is 1,05
